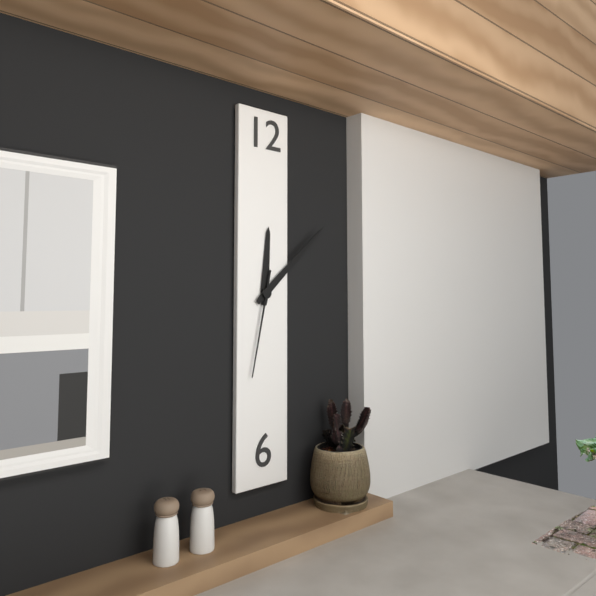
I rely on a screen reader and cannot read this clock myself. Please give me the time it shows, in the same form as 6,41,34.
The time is 12,08,32
